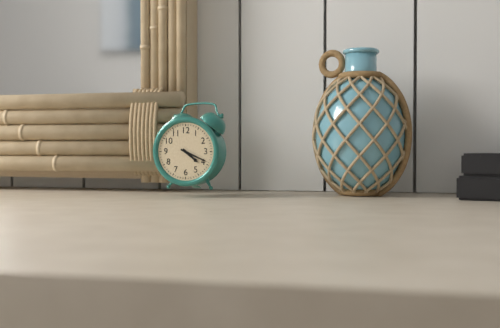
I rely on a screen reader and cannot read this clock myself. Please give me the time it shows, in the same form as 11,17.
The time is 4,19
